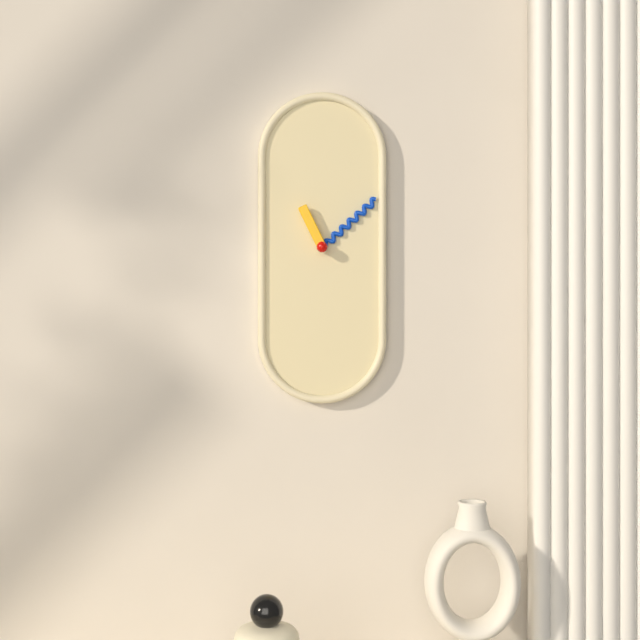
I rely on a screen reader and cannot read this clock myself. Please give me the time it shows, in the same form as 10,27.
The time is 11,08
